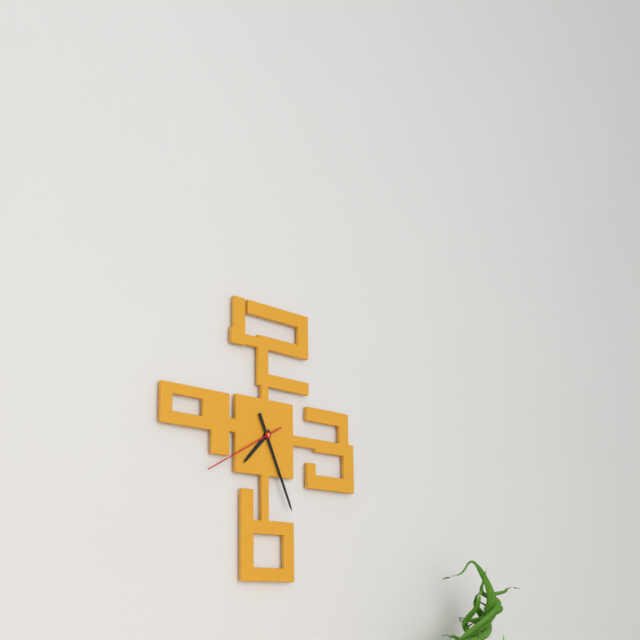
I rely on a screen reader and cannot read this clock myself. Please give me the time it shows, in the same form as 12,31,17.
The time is 7,26,40
